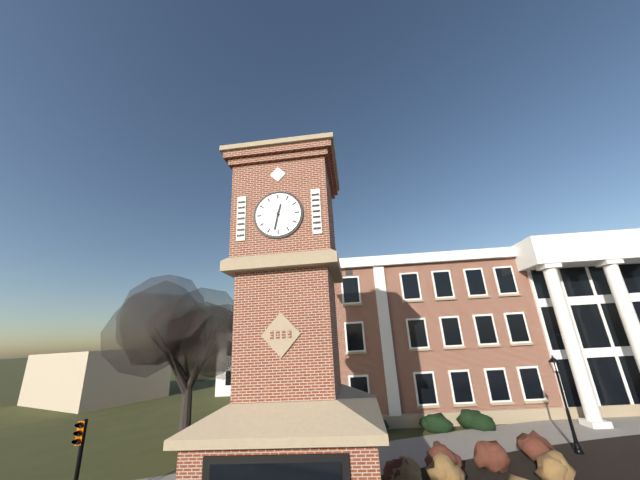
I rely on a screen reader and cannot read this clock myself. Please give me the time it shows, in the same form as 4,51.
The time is 12,32
